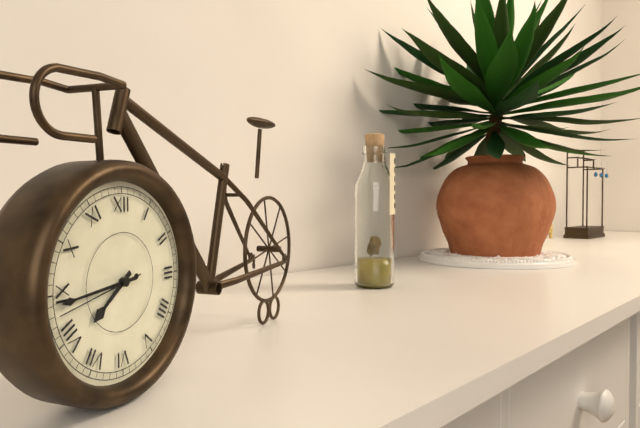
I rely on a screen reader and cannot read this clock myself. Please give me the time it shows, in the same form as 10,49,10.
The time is 7,44,43
